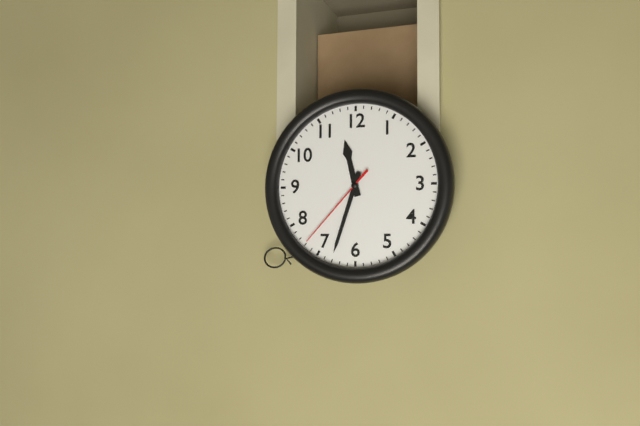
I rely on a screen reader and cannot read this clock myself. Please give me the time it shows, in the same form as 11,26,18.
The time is 11,33,37
